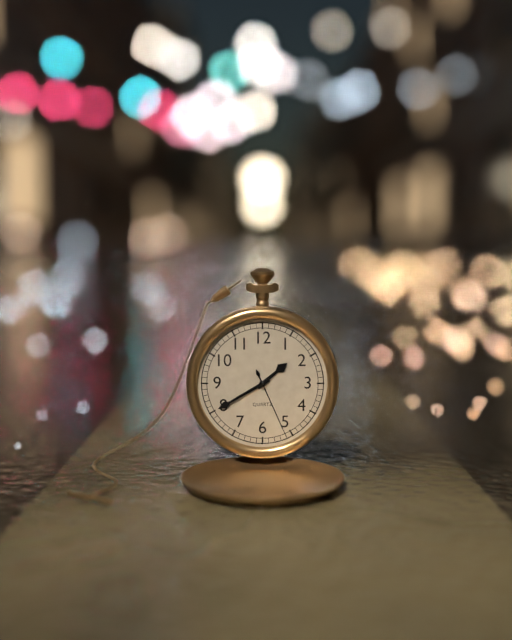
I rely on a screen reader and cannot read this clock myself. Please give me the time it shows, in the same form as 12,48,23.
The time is 1,40,26
